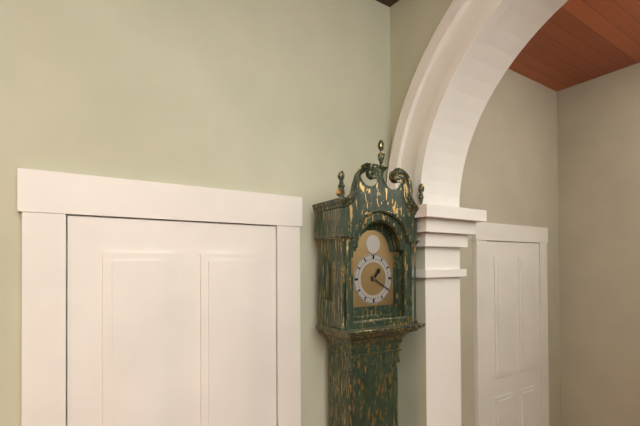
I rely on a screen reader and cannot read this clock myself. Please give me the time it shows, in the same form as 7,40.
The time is 1,20
